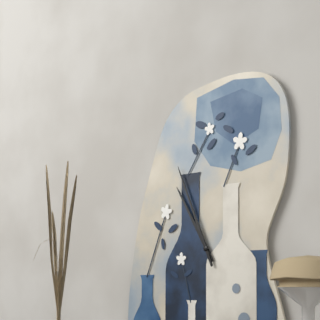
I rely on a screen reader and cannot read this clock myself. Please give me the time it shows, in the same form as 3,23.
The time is 10,56
